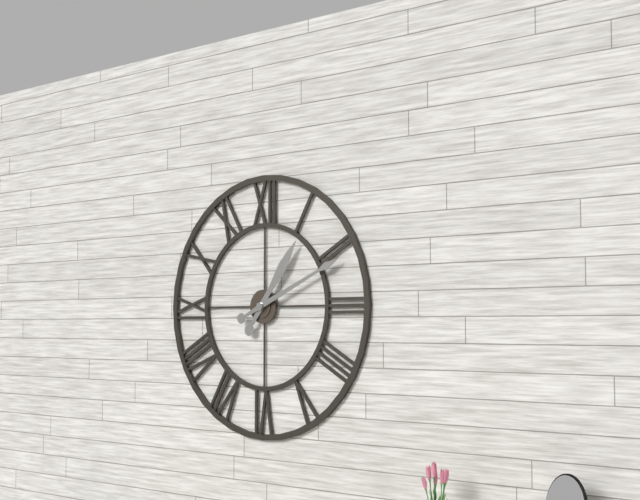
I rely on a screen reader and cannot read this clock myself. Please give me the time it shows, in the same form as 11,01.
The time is 1,11
